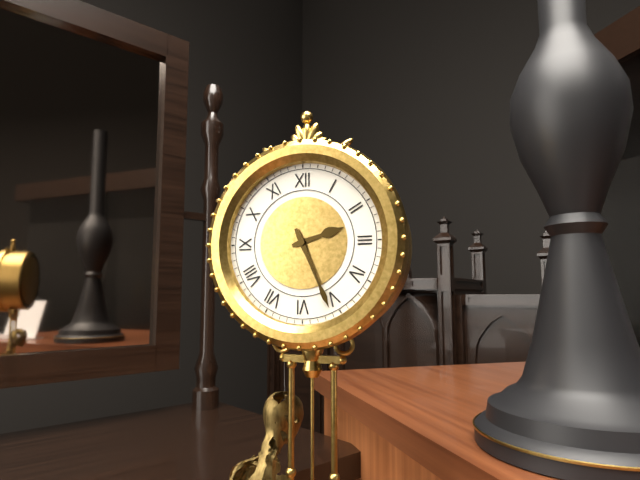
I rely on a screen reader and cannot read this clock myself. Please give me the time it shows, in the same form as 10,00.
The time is 2,26
